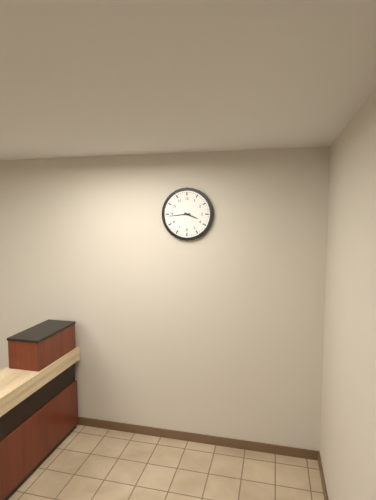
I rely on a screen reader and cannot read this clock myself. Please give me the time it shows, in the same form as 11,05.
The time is 3,44
